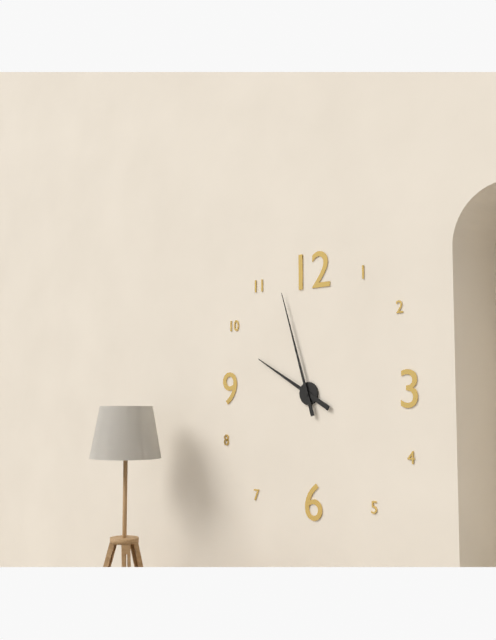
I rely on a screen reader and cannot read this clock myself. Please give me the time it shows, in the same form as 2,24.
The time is 9,57
